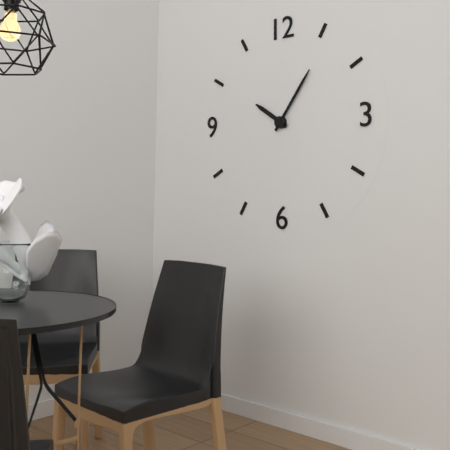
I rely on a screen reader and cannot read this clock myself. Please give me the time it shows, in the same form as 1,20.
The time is 10,06
